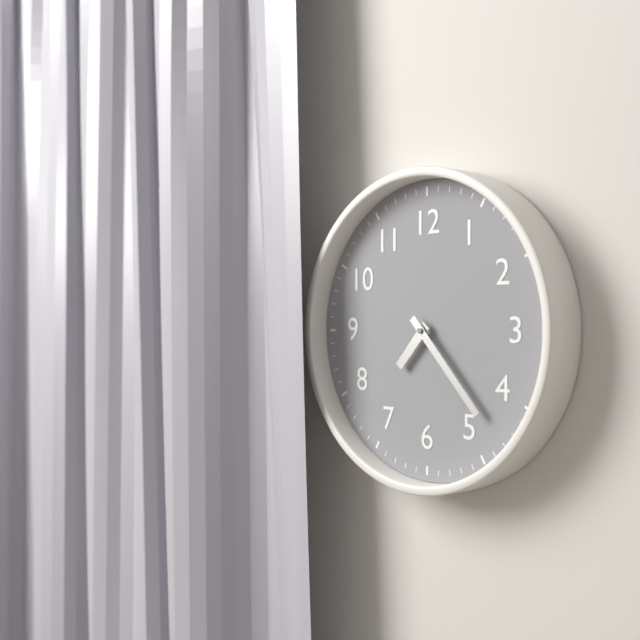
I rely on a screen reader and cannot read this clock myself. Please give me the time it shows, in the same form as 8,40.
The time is 7,23
